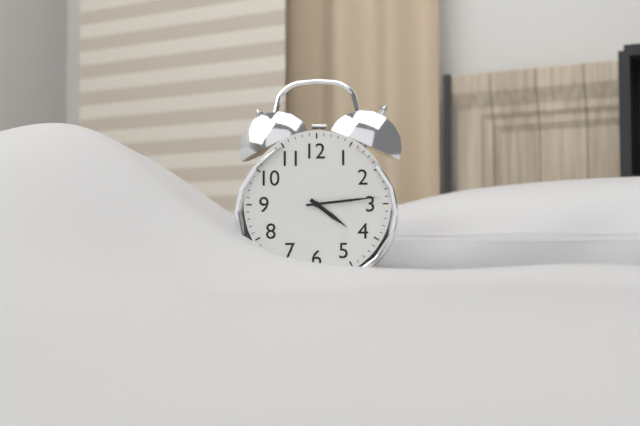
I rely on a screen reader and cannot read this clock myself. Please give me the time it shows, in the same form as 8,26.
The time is 4,14
